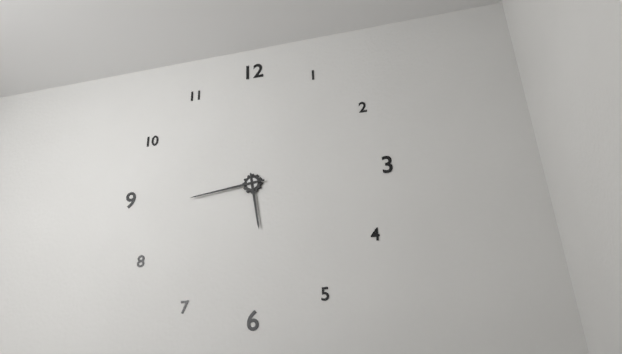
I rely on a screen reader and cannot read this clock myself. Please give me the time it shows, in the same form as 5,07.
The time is 5,44
